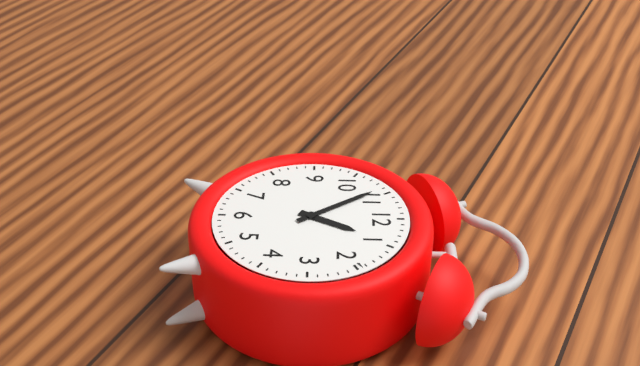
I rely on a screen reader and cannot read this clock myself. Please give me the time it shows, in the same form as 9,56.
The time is 12,54
